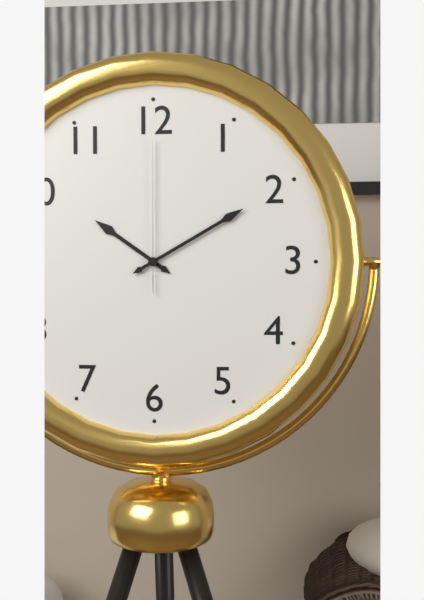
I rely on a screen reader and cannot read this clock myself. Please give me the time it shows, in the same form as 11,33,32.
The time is 10,10,00
